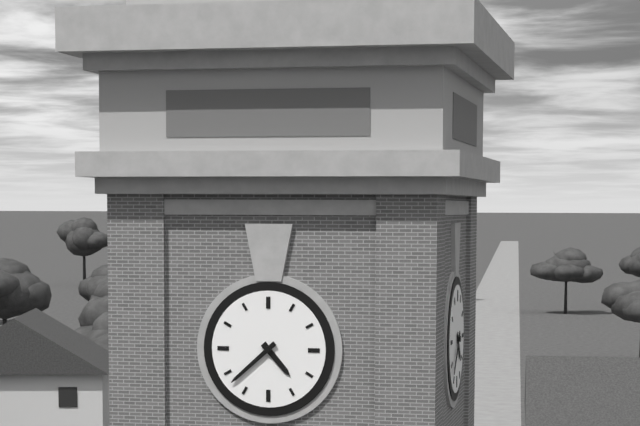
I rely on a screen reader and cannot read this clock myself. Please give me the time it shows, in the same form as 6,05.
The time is 4,38
